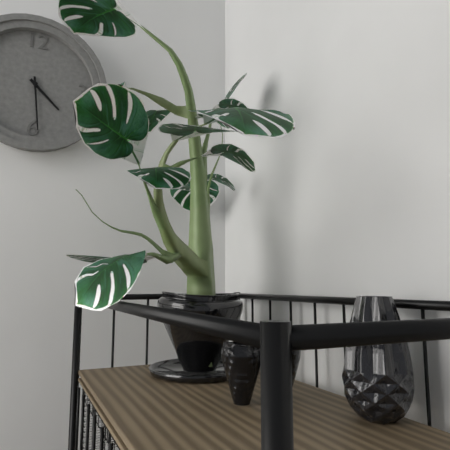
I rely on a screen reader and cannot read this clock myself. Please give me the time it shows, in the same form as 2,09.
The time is 4,29
